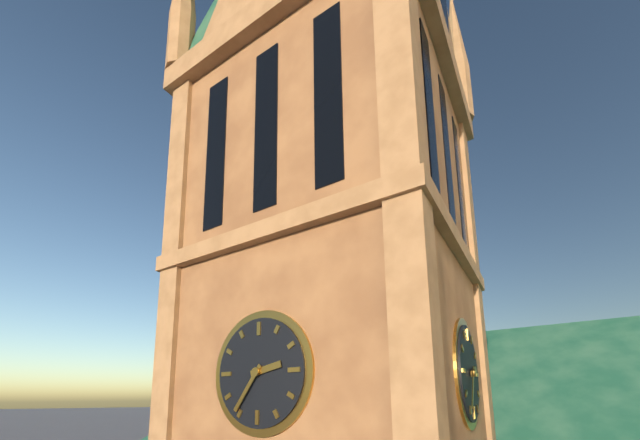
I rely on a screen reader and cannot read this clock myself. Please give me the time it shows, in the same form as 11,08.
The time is 2,36
